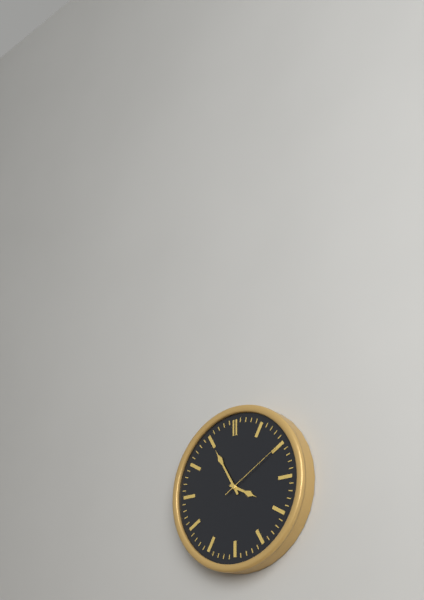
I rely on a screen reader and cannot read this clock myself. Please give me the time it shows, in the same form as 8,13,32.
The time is 3,55,10
